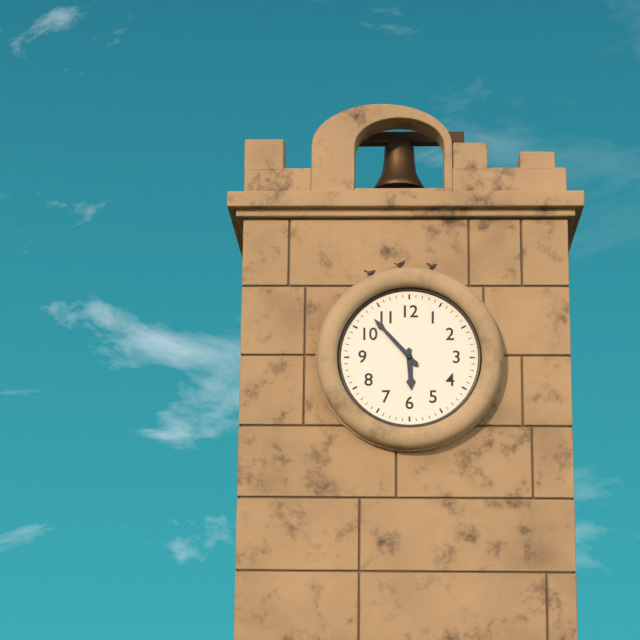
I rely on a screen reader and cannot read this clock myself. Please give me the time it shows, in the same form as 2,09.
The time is 5,53
